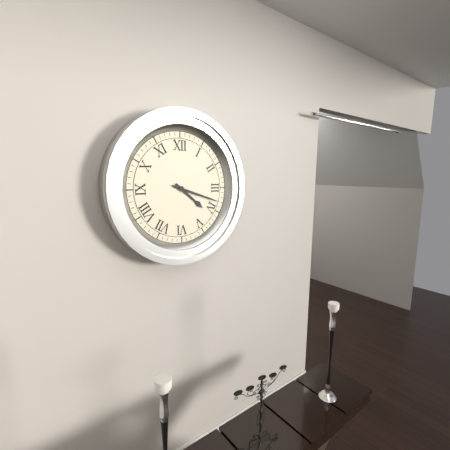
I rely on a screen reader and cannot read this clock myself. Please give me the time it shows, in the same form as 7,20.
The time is 4,18
